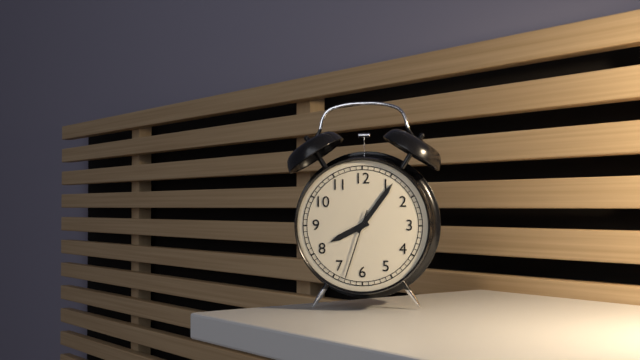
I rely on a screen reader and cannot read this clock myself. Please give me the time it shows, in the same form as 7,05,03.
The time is 8,06,33
